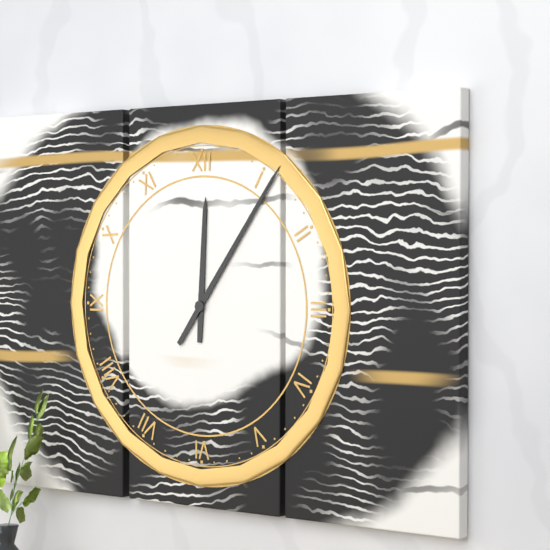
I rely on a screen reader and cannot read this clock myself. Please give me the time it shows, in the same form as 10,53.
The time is 12,06
